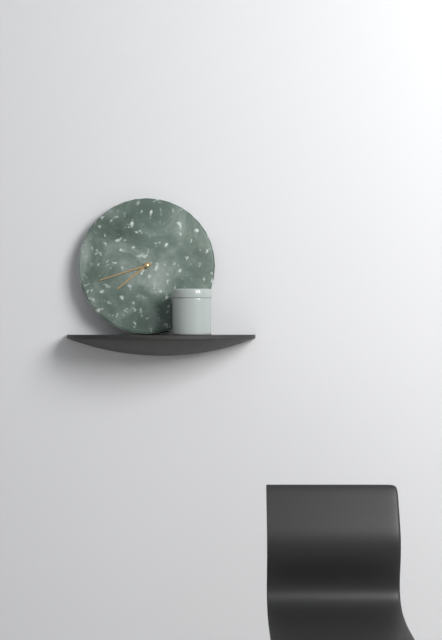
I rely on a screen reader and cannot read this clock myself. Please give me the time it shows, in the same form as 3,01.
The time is 7,42
